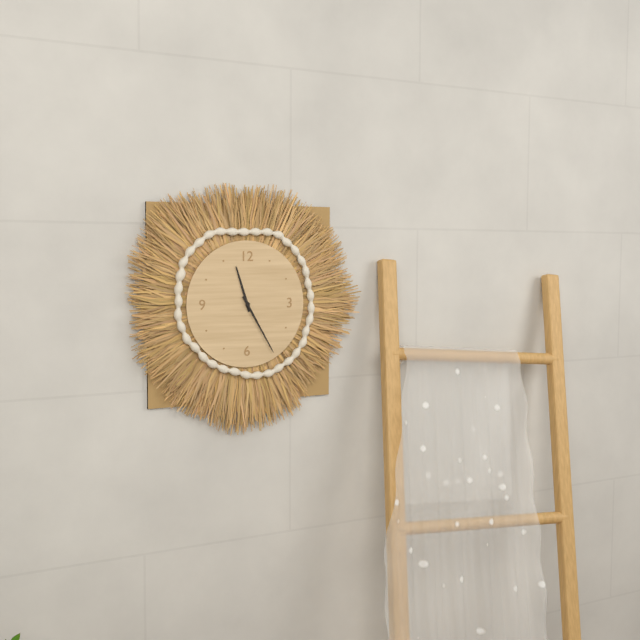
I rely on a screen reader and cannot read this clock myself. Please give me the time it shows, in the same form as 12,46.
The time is 11,25
